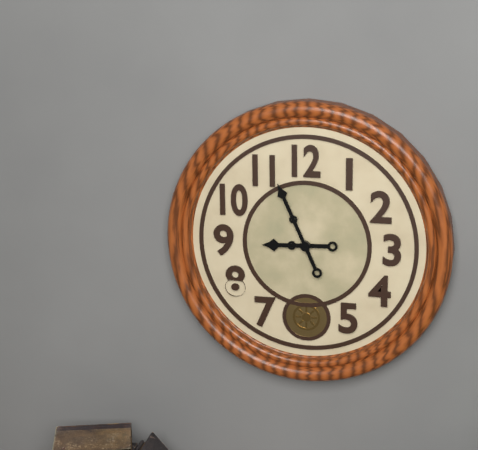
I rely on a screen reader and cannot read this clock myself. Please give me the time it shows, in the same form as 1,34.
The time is 8,56
